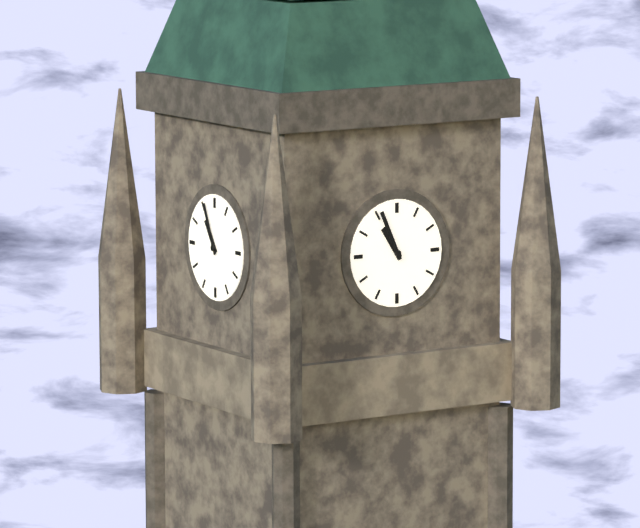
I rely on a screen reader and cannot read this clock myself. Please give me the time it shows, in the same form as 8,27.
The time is 10,56
